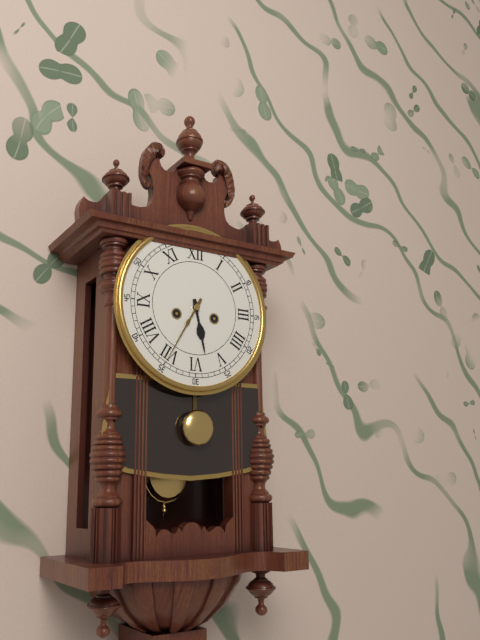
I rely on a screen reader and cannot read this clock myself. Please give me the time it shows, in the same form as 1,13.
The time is 5,35
